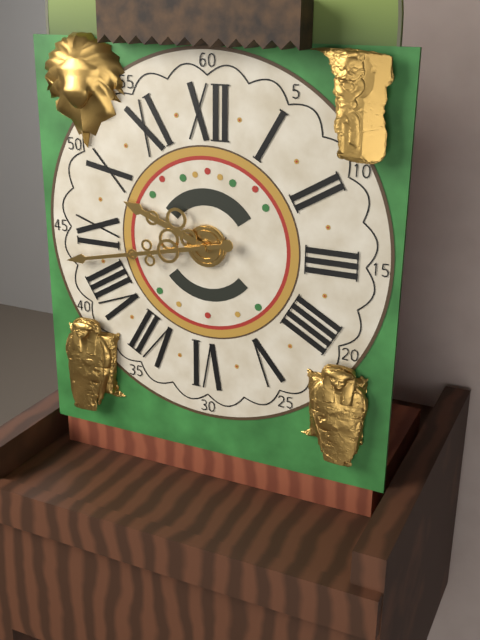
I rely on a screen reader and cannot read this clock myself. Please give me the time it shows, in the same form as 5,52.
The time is 9,43
